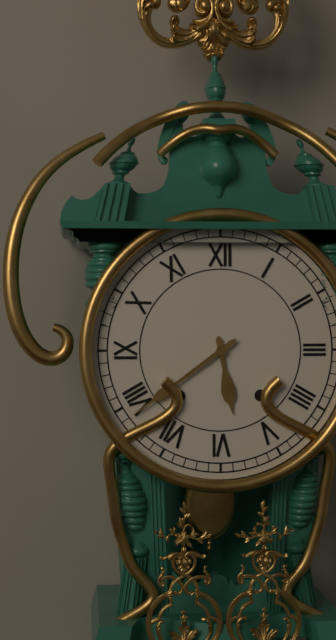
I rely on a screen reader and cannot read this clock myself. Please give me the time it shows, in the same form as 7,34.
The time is 5,39
